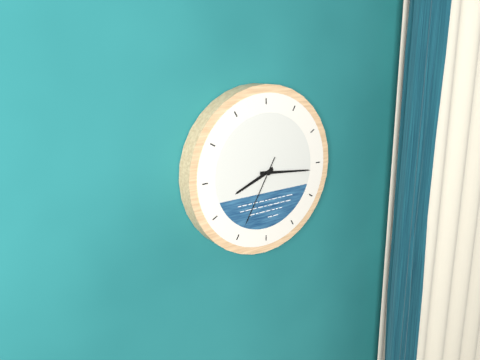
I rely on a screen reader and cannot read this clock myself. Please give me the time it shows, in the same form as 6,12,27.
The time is 8,16,35
